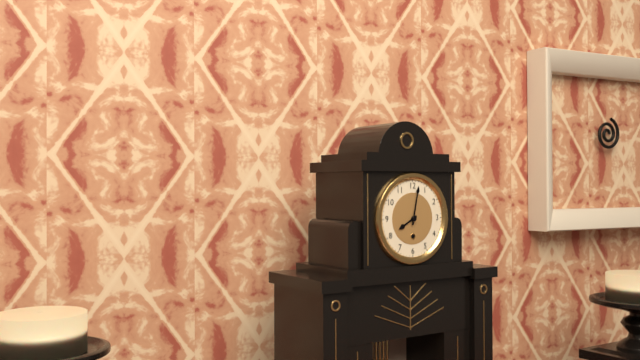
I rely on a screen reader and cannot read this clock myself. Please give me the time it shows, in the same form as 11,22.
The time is 8,02
